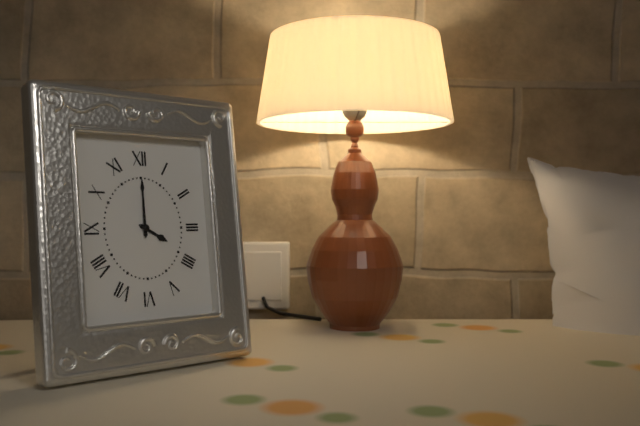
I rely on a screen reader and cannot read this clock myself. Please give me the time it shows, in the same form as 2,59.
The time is 4,00
